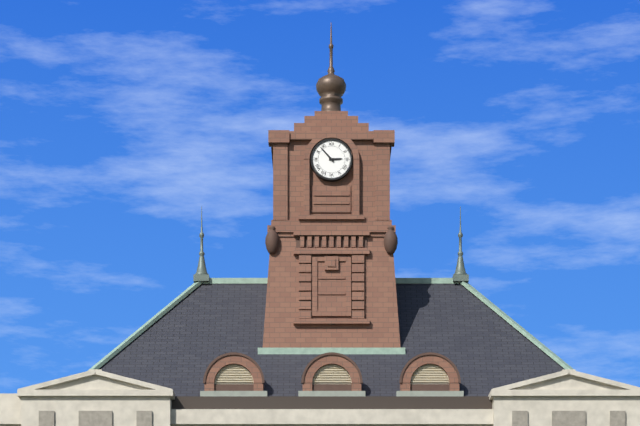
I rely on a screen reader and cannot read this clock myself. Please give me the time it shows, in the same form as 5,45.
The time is 2,53
